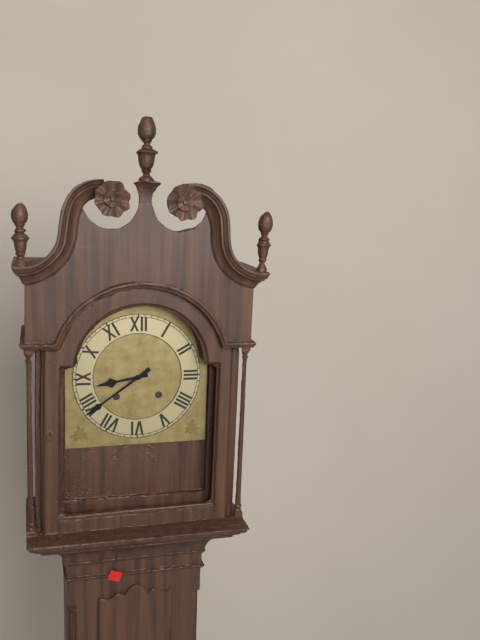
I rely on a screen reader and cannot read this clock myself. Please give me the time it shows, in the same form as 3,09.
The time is 8,39
